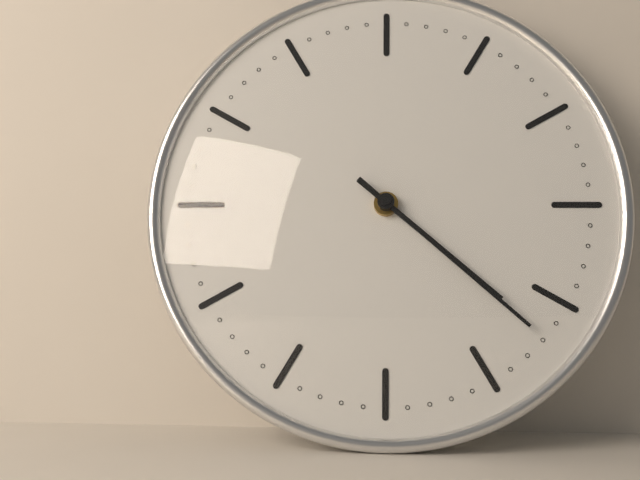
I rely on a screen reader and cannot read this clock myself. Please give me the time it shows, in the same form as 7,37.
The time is 4,22
